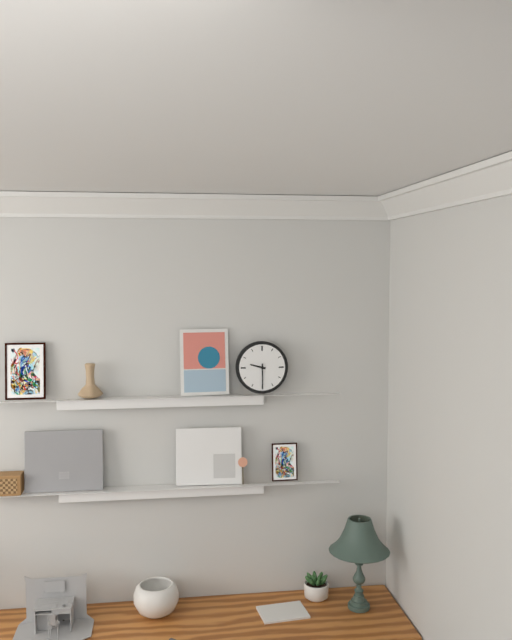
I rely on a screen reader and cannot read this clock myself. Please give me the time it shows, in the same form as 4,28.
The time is 9,30
